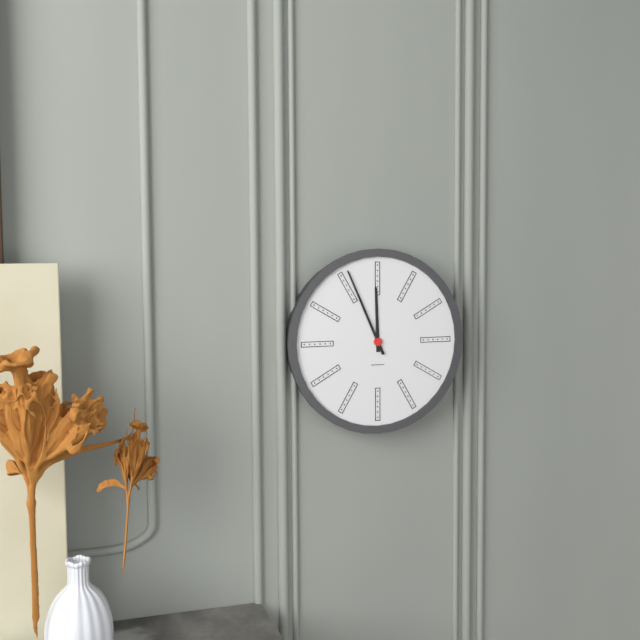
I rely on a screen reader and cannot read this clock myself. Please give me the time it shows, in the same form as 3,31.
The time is 11,56
